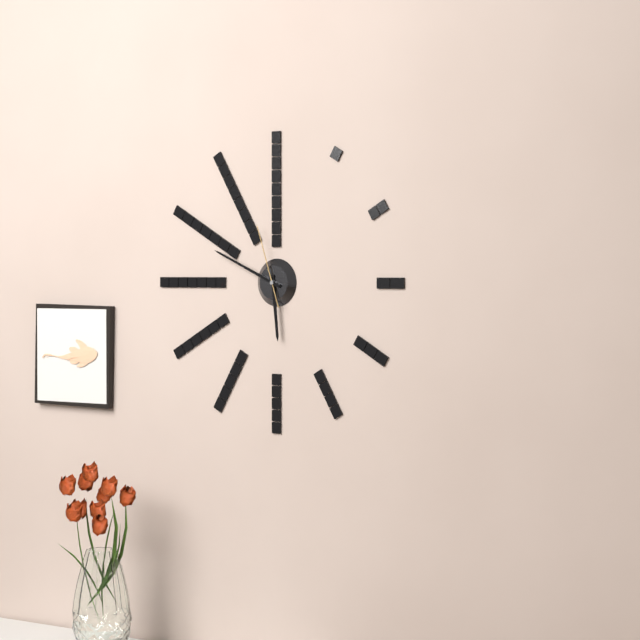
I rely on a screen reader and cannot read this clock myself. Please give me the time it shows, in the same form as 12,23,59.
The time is 5,49,57
